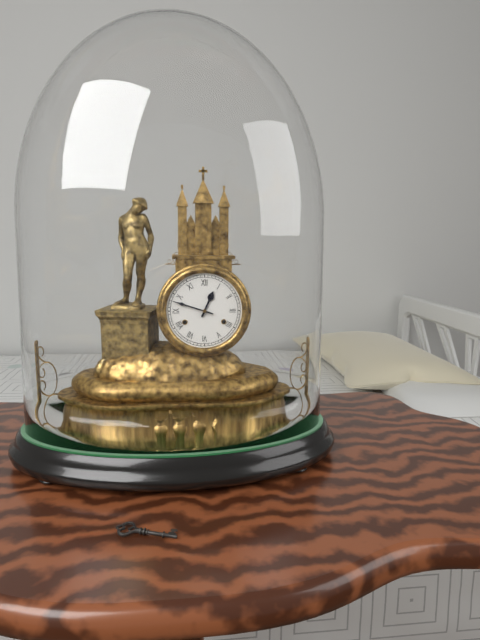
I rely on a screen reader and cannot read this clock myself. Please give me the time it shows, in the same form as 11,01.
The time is 12,48
